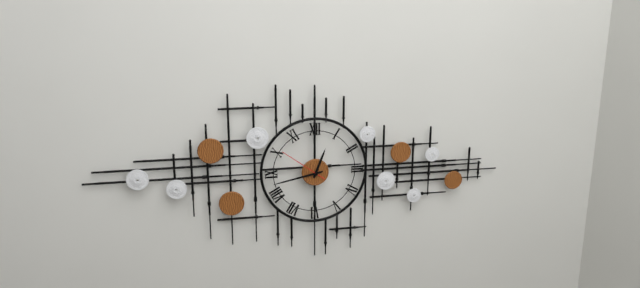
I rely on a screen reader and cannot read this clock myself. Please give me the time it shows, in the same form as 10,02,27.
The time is 12,43,51
